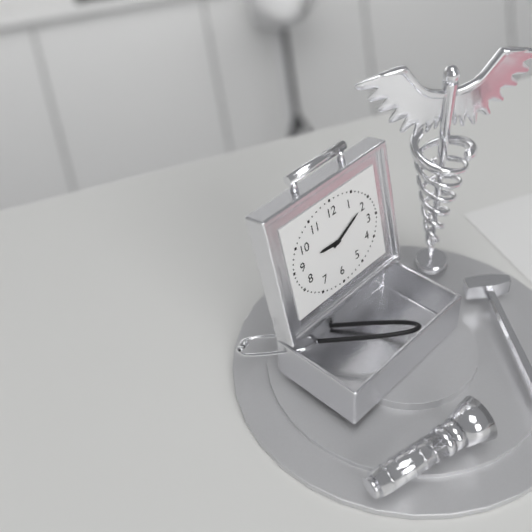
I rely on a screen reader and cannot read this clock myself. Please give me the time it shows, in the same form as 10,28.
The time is 9,11
